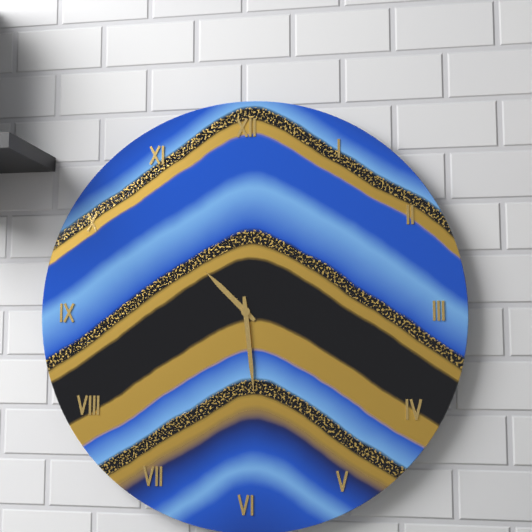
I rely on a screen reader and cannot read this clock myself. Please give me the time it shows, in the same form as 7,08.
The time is 10,29
